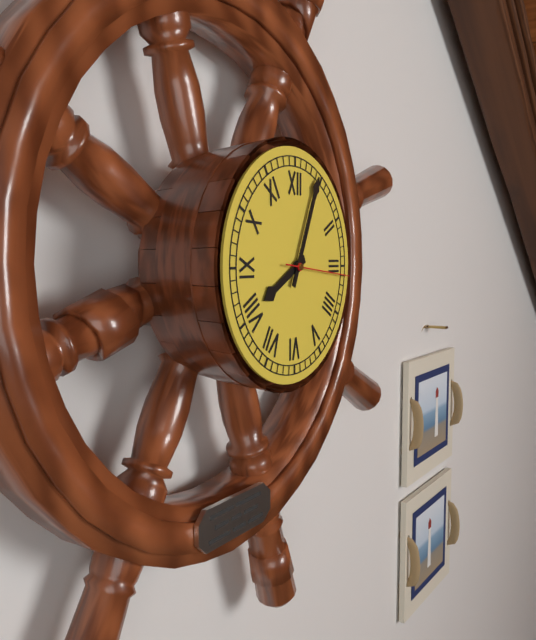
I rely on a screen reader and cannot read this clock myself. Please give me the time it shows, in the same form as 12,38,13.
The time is 8,04,16
